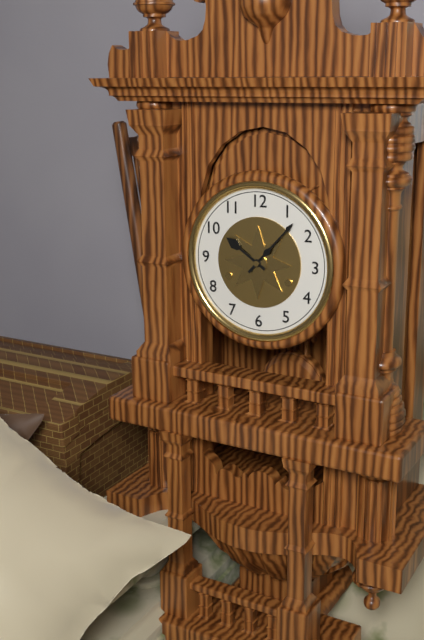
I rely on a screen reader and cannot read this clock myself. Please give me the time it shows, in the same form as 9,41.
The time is 10,07
